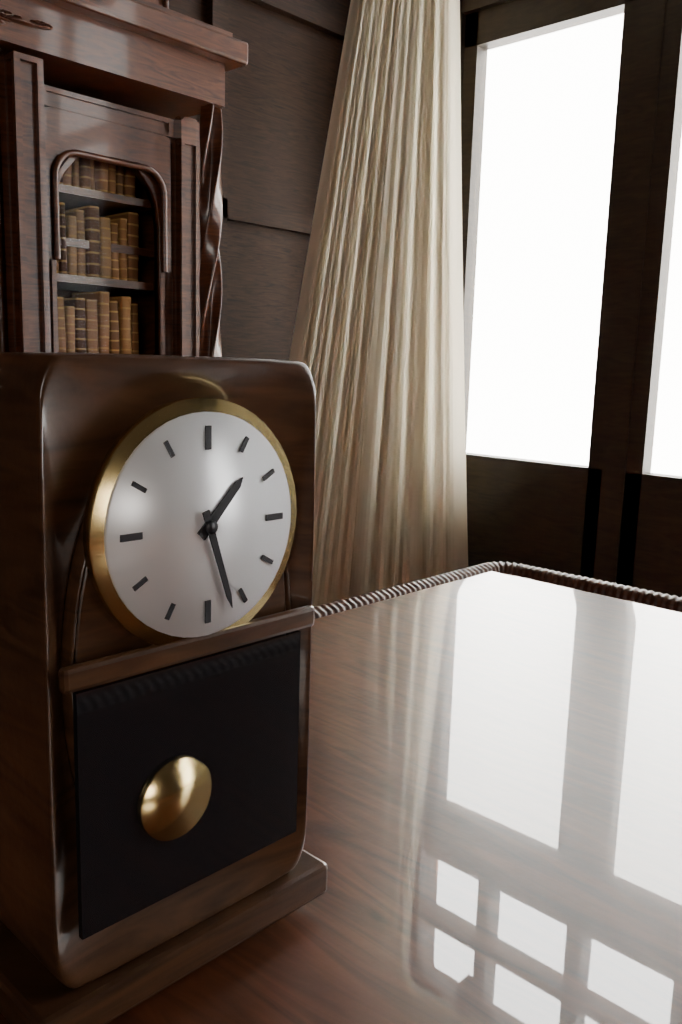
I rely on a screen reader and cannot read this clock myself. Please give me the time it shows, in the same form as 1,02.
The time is 1,27
